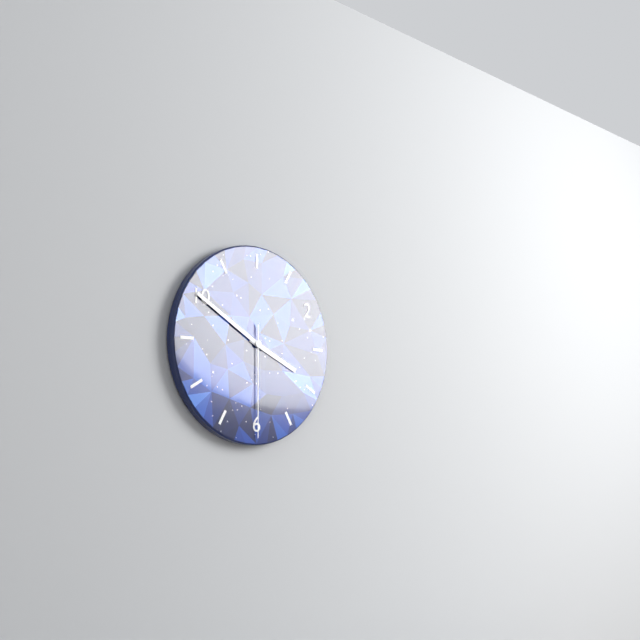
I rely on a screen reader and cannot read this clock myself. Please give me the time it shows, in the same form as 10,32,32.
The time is 3,50,30
